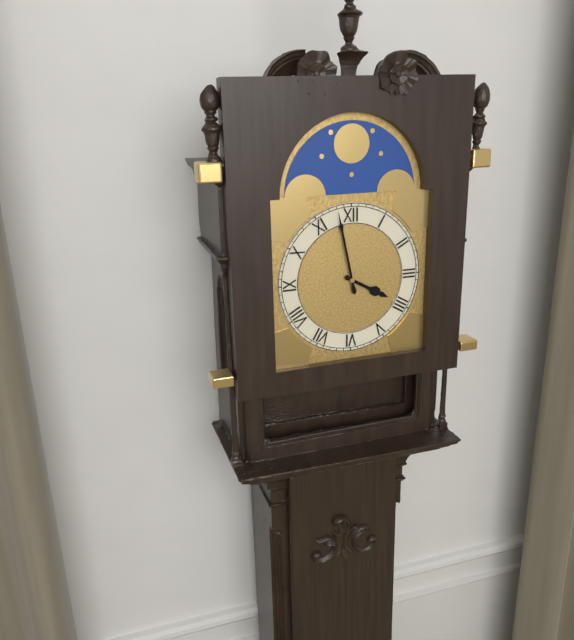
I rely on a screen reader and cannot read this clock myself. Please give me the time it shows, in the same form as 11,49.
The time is 3,58
